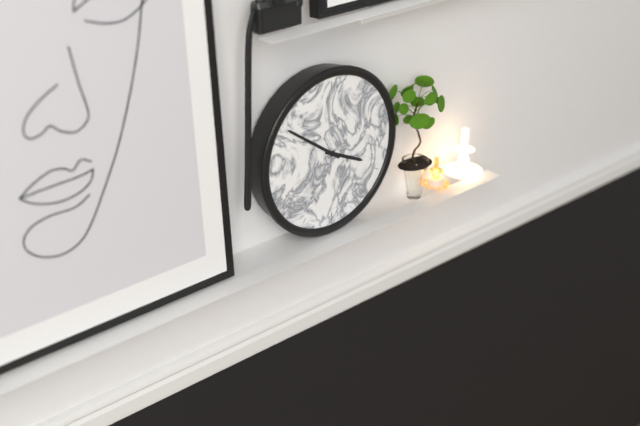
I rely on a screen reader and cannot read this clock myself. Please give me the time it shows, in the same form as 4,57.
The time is 3,51
